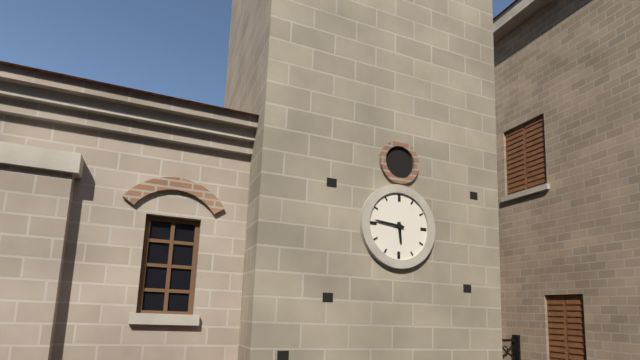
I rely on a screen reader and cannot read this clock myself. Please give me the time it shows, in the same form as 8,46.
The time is 5,46
